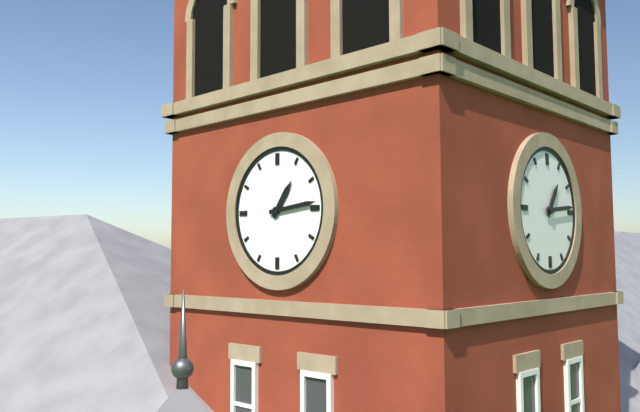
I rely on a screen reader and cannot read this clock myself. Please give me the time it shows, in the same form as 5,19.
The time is 1,14
